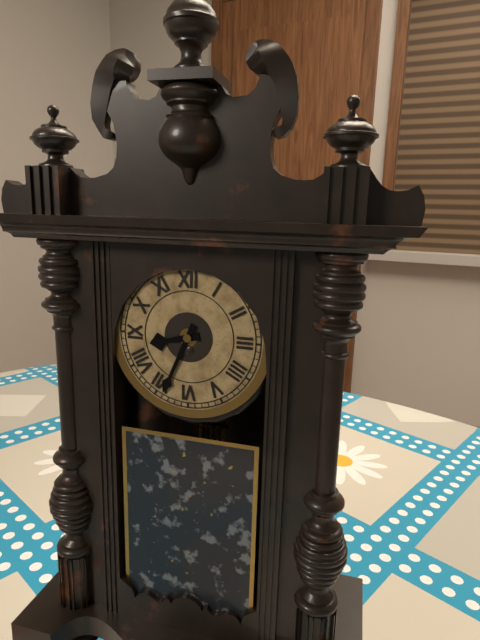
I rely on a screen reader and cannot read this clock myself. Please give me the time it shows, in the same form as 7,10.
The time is 8,34
